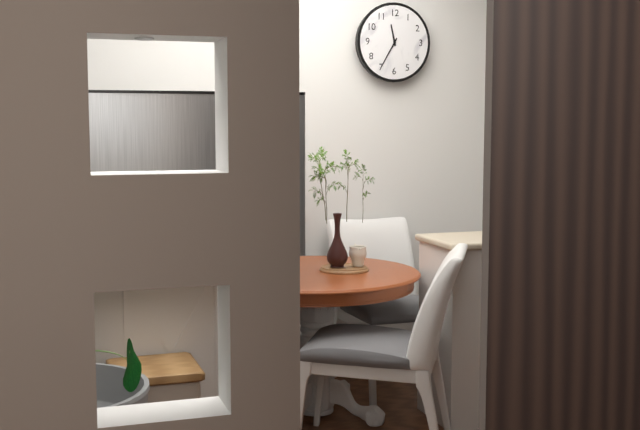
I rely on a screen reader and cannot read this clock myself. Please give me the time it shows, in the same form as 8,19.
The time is 11,35
